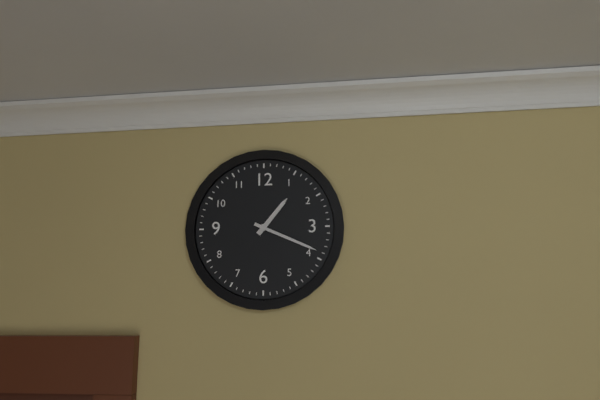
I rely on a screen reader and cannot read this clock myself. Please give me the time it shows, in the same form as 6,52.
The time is 1,19
